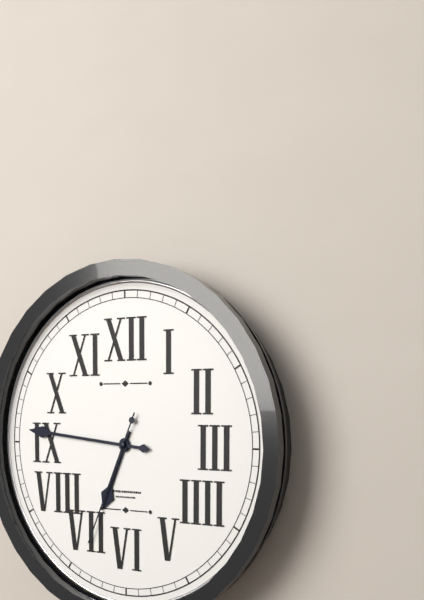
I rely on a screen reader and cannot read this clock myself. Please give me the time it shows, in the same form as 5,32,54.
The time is 6,46,34
